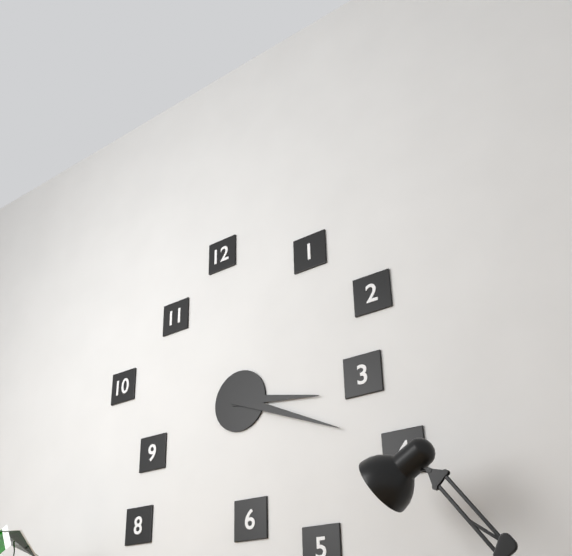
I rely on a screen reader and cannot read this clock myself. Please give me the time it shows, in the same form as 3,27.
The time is 3,19
